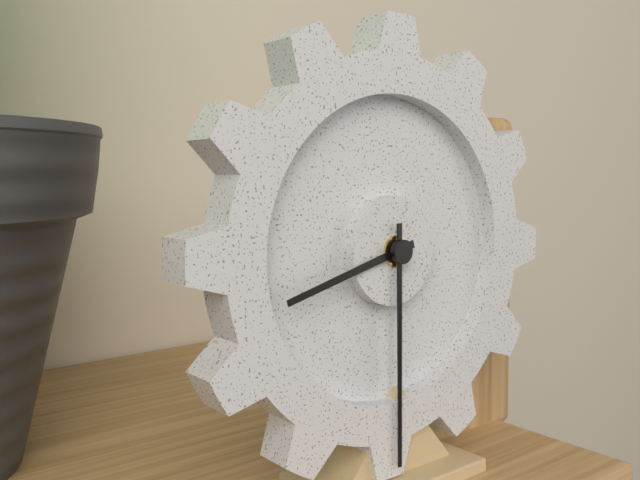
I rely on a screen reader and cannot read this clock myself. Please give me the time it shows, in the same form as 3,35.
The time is 8,30
